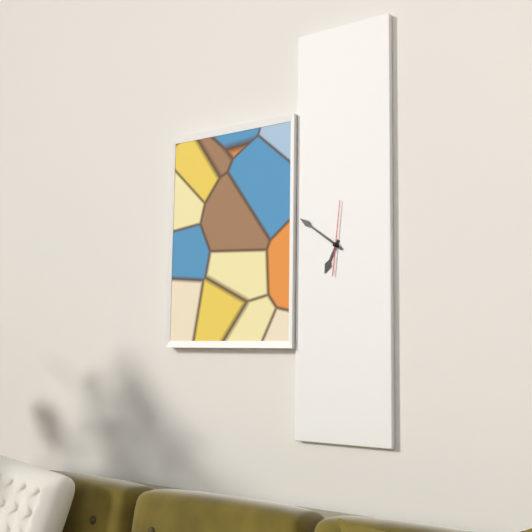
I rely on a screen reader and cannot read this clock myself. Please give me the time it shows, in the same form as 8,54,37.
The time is 6,51,01
